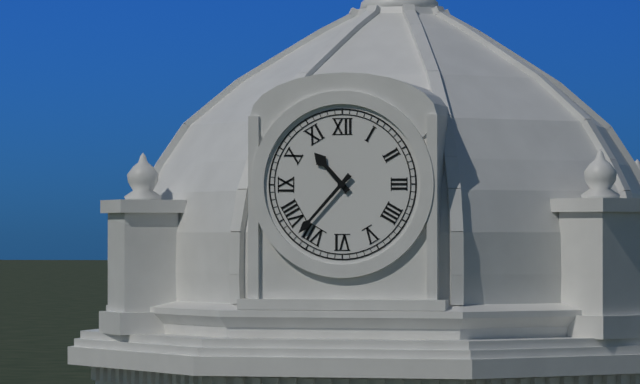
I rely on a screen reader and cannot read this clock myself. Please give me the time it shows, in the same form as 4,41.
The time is 10,37
